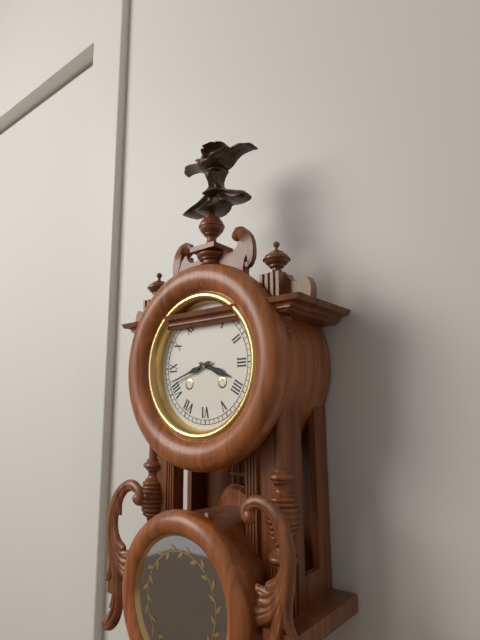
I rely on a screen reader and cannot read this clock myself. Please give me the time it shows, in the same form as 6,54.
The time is 3,42
